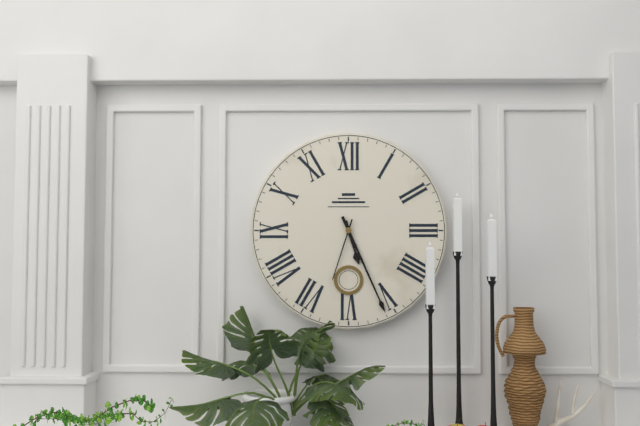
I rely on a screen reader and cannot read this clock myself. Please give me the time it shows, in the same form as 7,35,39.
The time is 5,26,33
